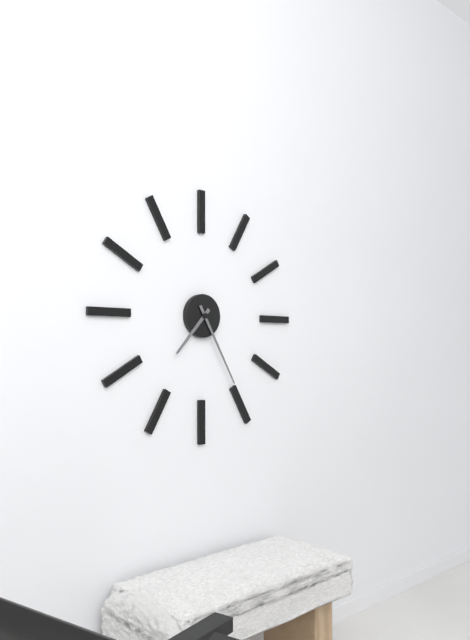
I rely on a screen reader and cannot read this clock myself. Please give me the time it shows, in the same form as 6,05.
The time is 7,25
